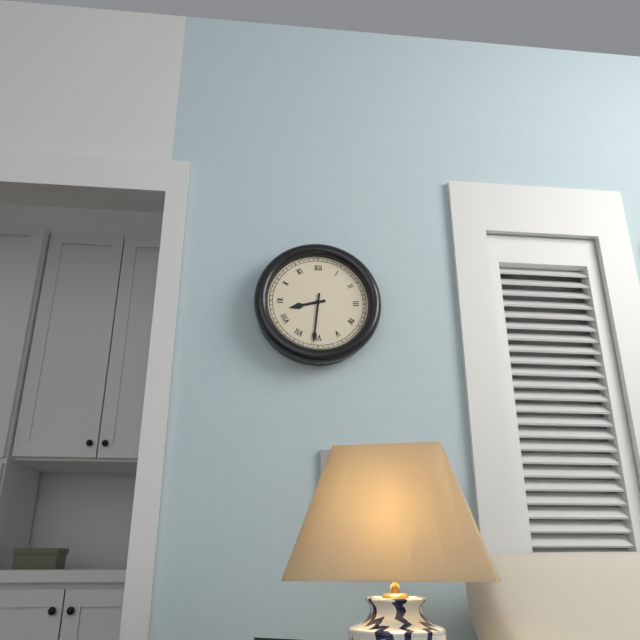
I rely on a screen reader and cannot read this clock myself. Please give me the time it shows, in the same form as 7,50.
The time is 8,31
